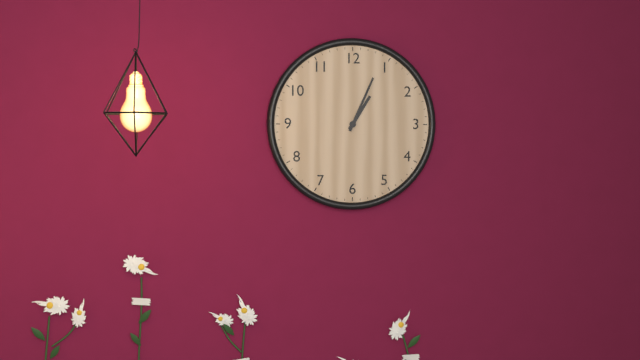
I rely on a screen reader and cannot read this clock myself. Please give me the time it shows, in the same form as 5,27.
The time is 1,04
